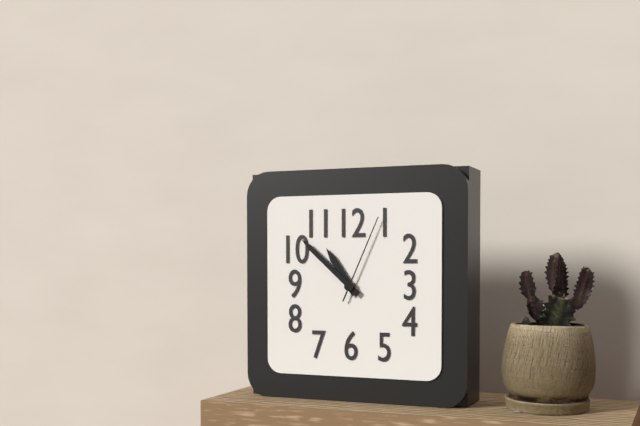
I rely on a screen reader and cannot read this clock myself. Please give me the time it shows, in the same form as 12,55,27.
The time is 10,52,04
